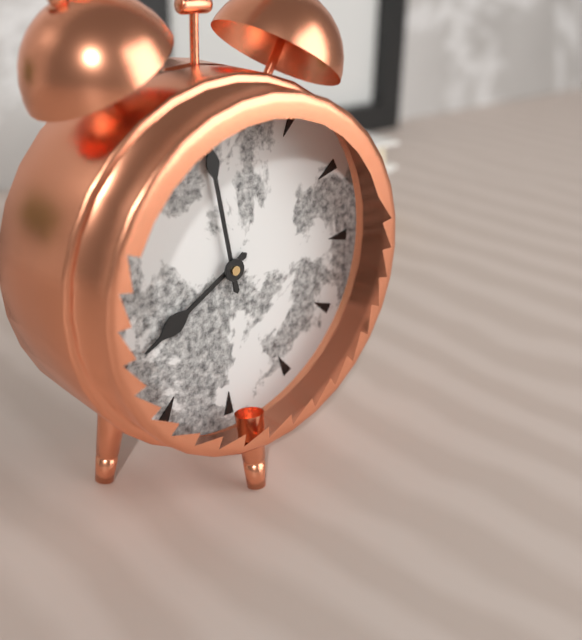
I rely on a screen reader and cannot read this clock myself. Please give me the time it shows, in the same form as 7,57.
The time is 7,58
